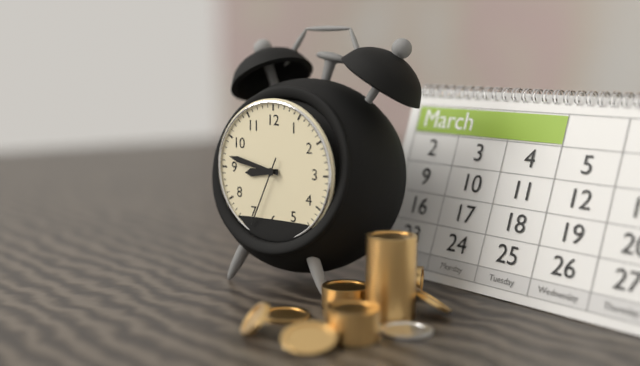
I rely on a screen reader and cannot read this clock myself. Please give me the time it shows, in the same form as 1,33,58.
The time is 8,47,34
